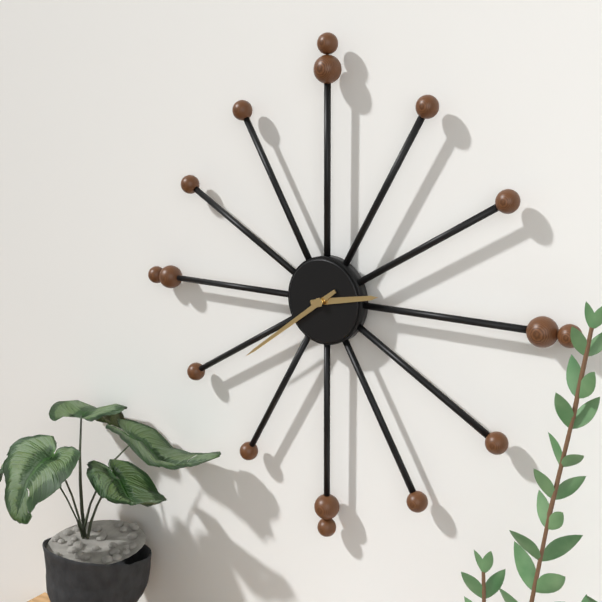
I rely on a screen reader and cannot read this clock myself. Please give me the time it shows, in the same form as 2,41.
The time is 2,39
